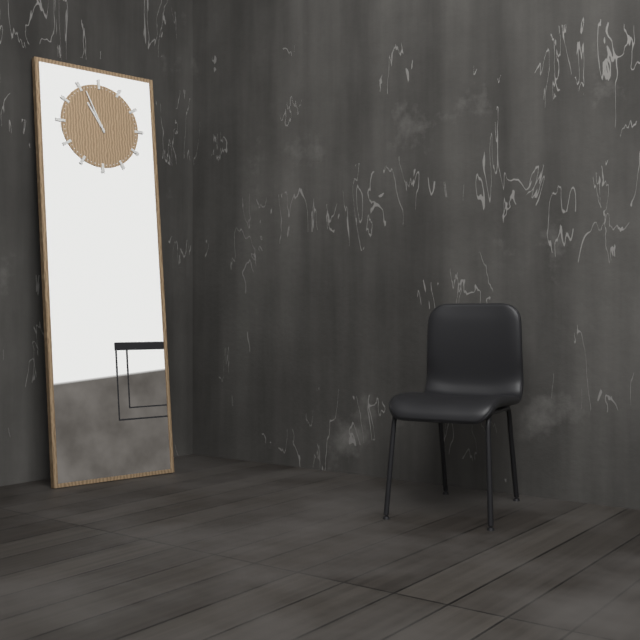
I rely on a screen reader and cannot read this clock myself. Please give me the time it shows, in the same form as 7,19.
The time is 10,56
